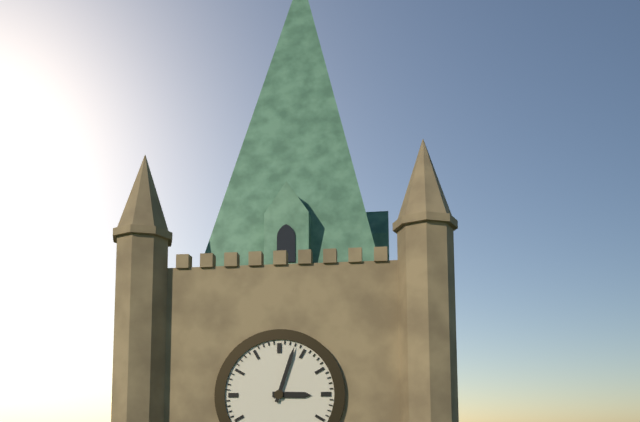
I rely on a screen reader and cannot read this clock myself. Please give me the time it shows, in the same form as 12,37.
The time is 3,03
